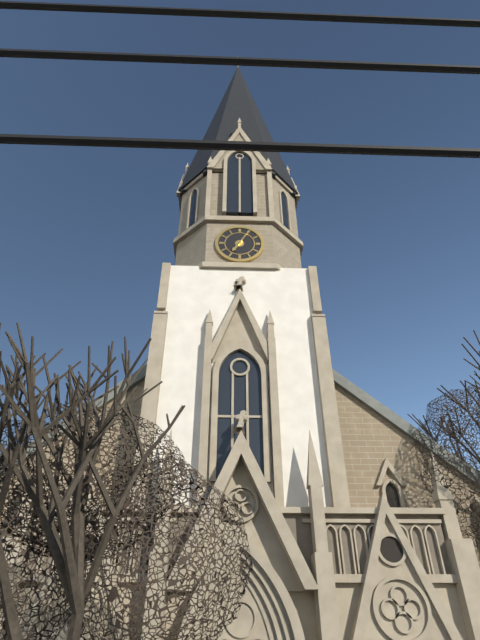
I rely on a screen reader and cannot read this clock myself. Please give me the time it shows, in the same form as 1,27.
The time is 7,05
